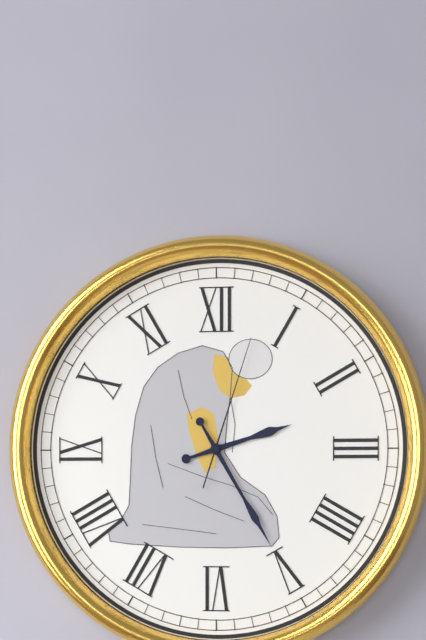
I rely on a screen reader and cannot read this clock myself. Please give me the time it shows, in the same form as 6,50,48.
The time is 2,25,03
